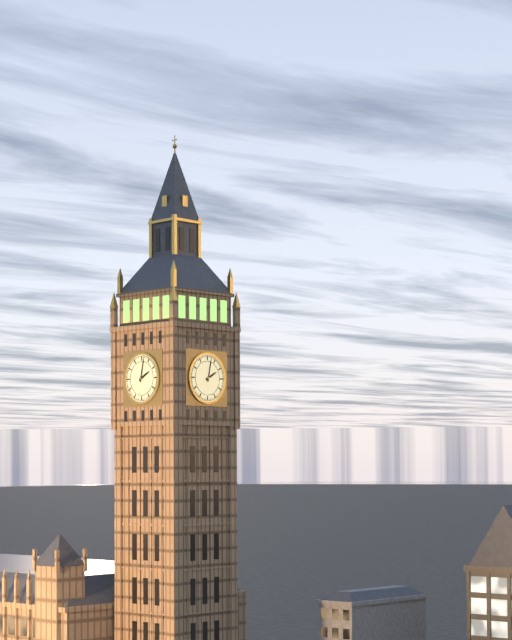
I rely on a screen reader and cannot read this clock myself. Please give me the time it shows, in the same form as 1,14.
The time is 2,02
